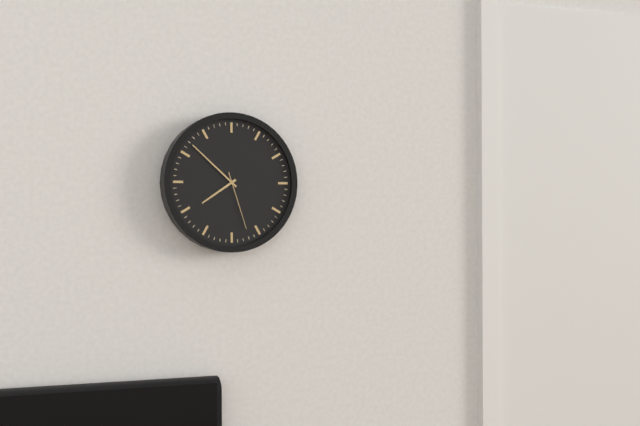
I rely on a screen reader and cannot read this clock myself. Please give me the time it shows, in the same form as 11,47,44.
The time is 7,52,27
